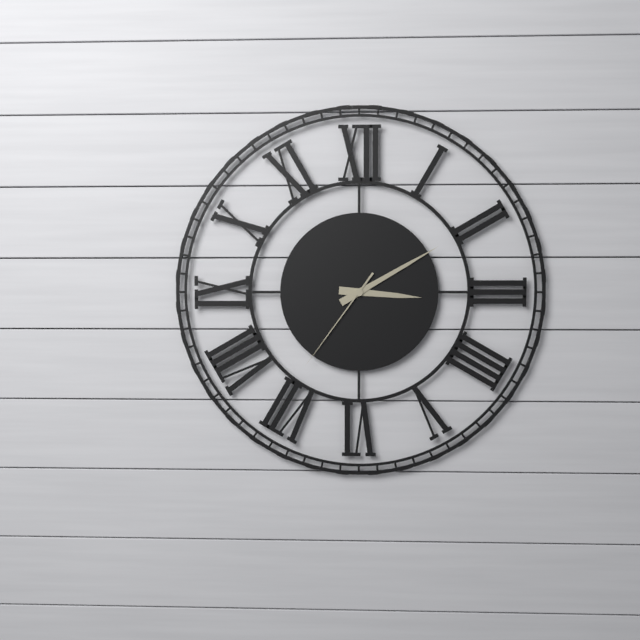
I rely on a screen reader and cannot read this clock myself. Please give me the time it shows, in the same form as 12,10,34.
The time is 3,10,36
